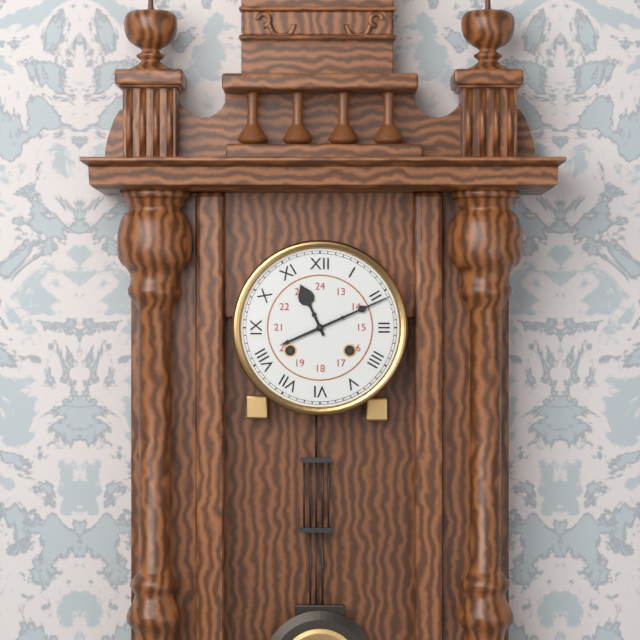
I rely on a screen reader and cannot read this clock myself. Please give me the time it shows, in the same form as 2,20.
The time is 11,11
